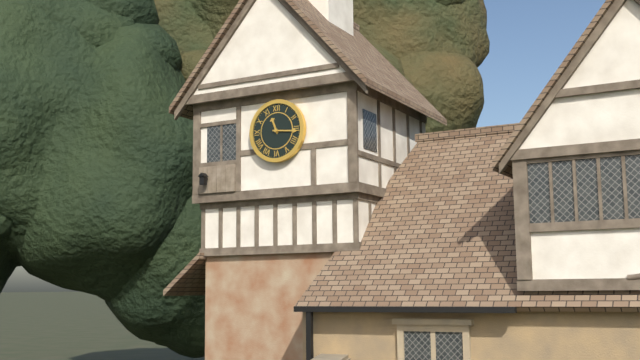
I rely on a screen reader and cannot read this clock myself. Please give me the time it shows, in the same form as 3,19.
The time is 11,16
